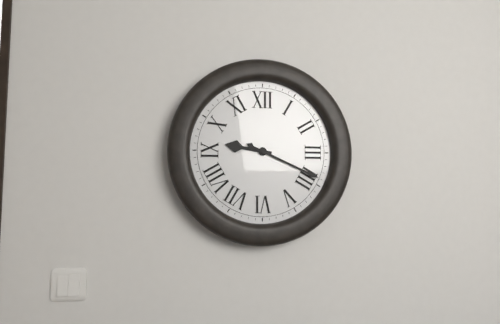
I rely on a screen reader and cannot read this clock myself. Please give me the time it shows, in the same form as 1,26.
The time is 9,19
